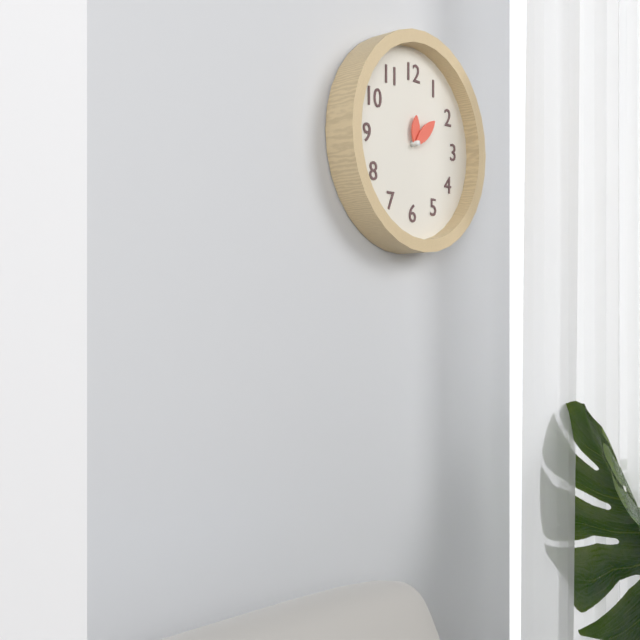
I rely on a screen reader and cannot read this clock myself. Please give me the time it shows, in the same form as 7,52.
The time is 12,08
